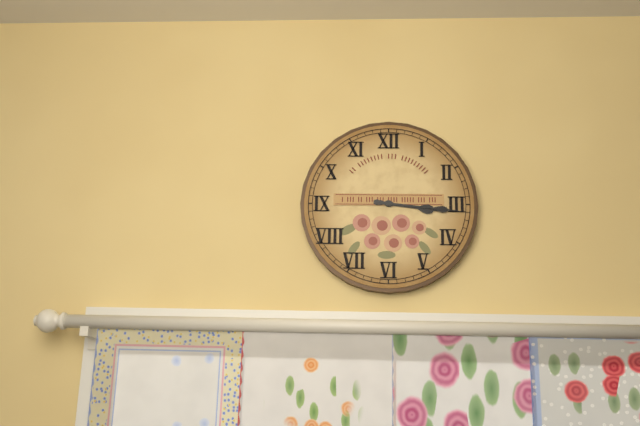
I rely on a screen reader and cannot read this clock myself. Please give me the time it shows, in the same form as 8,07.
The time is 3,16
